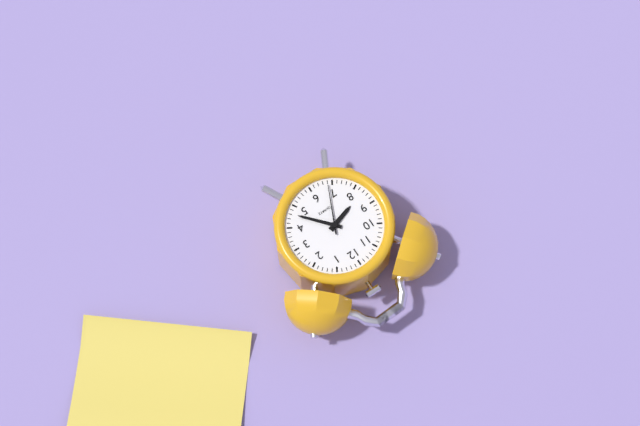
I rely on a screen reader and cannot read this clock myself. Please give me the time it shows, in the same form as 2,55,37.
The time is 8,23,34
